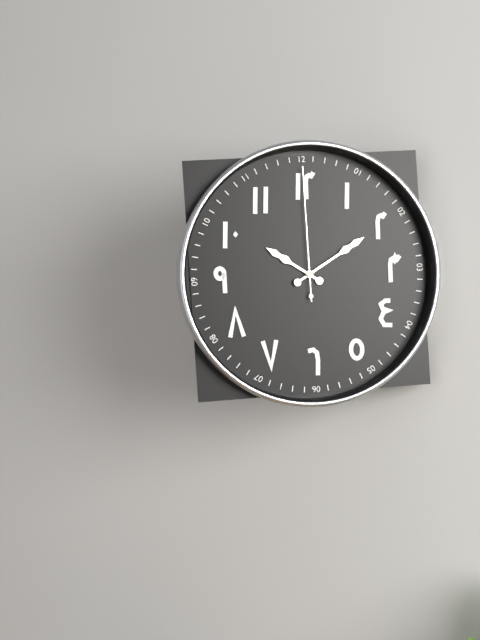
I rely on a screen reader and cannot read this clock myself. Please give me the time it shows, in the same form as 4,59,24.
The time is 10,10,00
